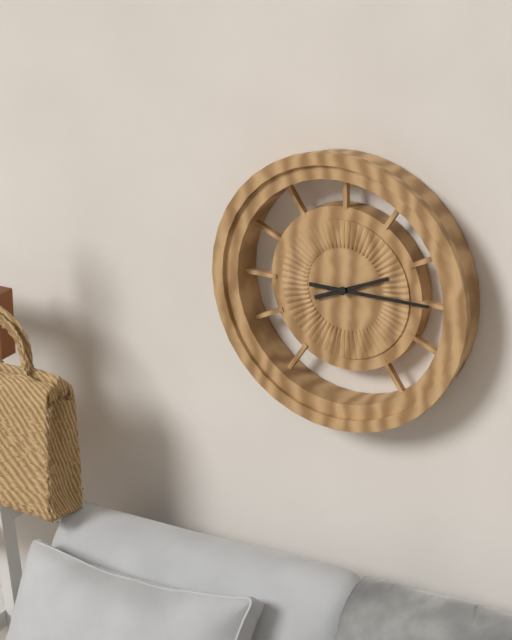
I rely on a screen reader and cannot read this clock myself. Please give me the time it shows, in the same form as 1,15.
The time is 2,15
